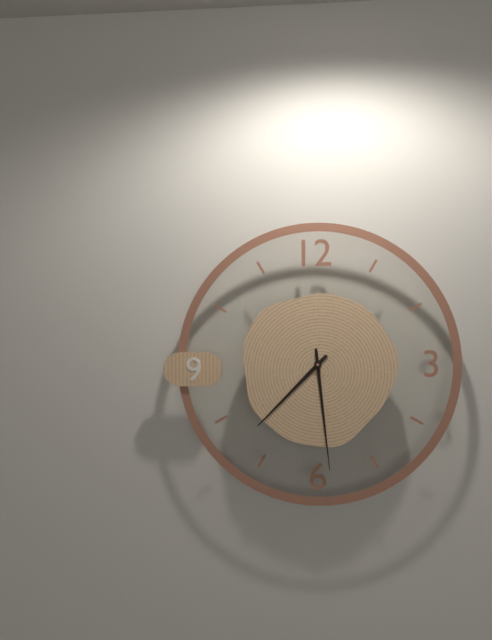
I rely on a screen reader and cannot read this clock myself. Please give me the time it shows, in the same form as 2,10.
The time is 7,29
